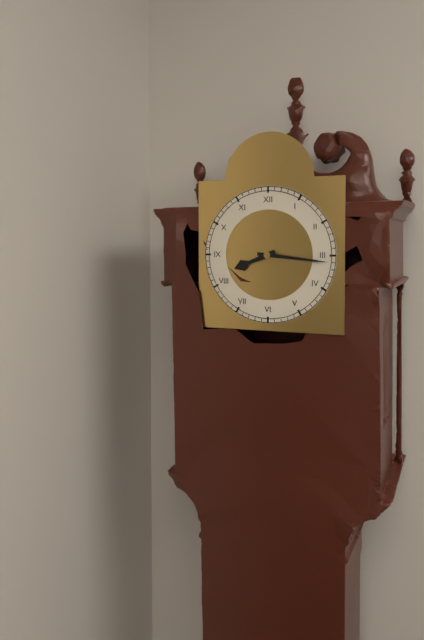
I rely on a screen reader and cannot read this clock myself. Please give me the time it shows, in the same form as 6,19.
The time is 8,16
